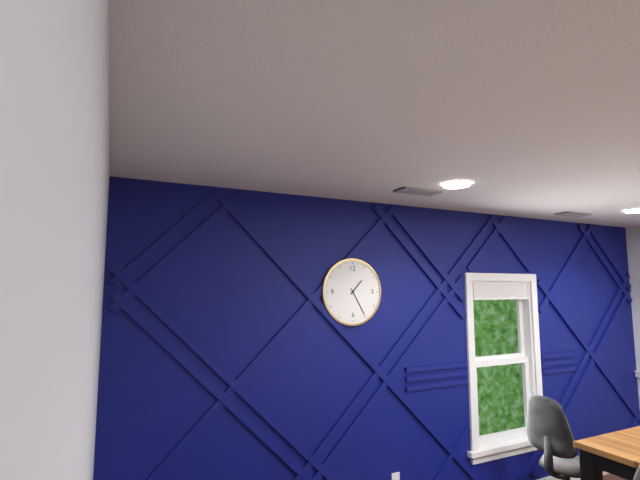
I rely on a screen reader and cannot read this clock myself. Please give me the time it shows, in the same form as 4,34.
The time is 1,25
